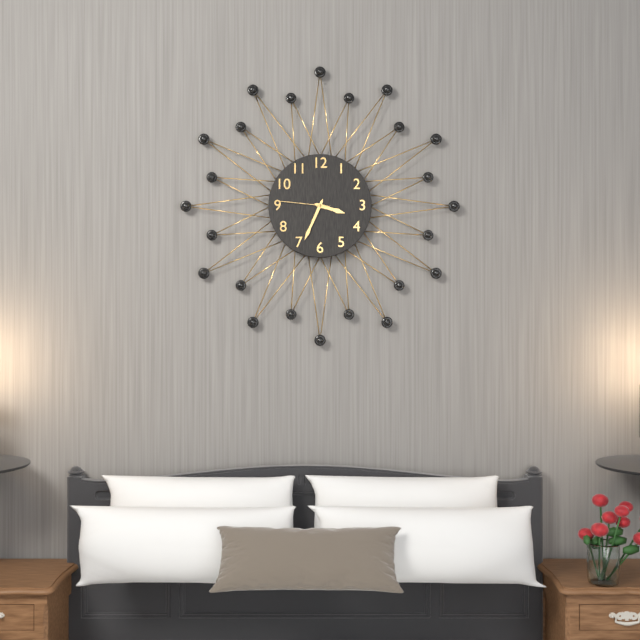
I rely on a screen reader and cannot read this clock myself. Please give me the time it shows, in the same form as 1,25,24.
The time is 3,34,46
